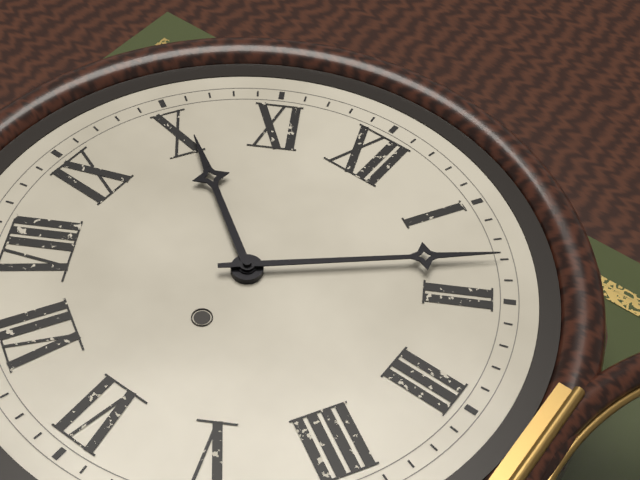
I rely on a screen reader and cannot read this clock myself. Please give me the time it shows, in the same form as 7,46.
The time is 10,08
